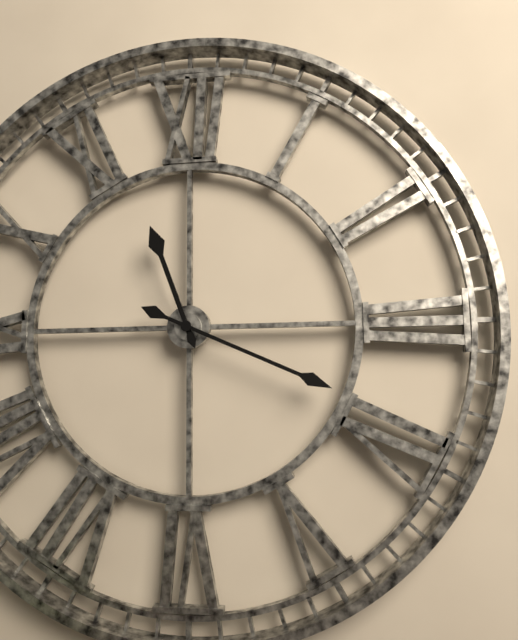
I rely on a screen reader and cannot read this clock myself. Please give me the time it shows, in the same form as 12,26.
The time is 11,19
